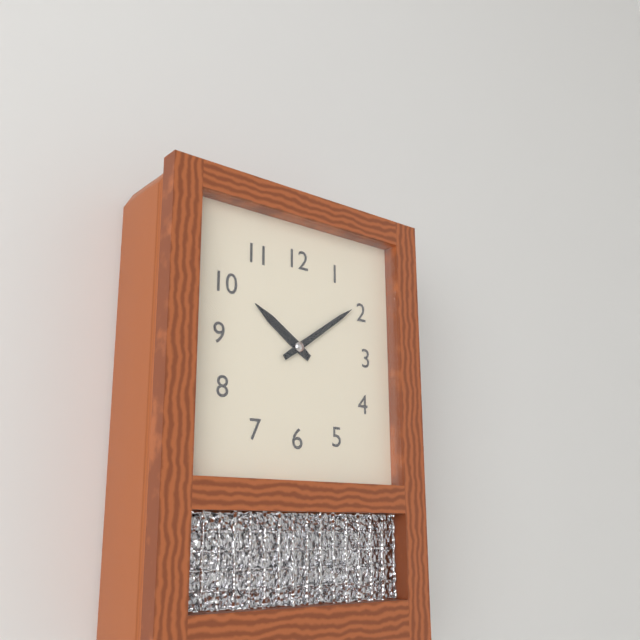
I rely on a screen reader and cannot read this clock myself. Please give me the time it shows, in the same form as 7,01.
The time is 10,09
